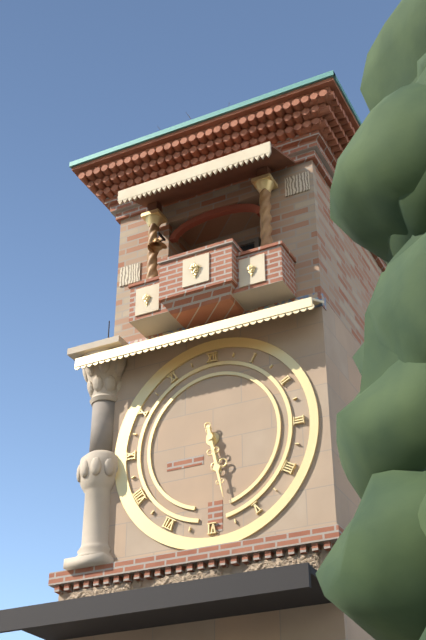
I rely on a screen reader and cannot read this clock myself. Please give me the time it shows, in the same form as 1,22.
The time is 5,28
